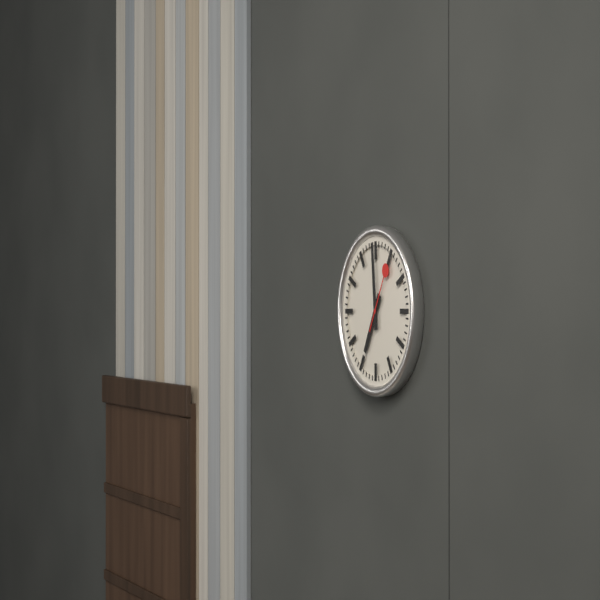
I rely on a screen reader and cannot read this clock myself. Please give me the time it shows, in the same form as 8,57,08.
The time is 6,59,05
